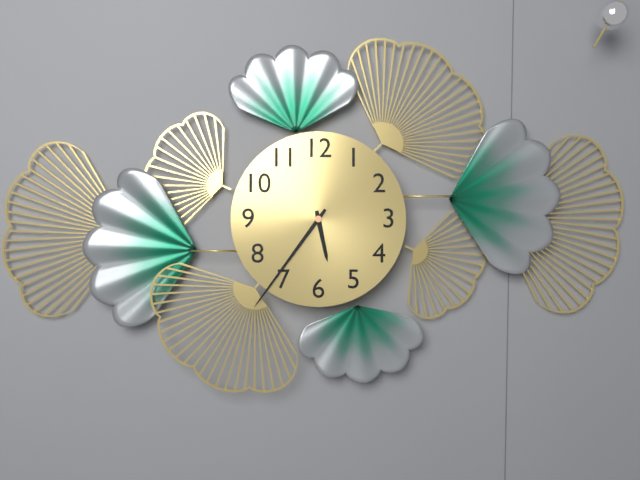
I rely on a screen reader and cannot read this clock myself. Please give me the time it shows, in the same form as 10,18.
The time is 5,36
